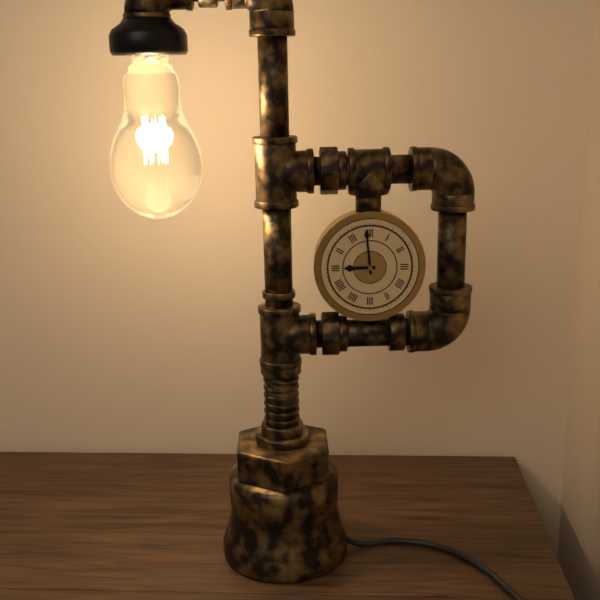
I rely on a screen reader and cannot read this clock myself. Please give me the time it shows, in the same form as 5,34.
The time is 8,59
